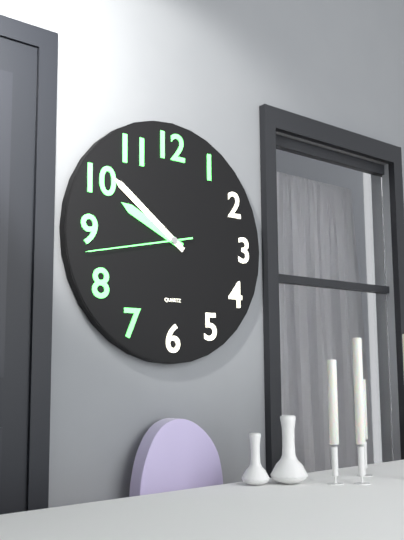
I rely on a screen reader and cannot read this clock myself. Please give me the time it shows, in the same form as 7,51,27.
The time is 9,51,43
